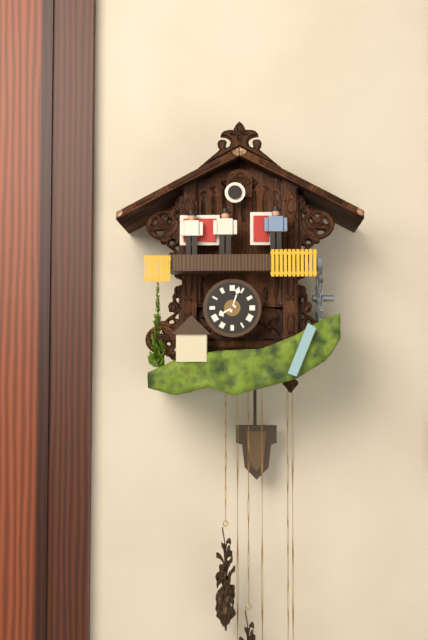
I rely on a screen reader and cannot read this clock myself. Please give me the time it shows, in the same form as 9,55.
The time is 8,03
